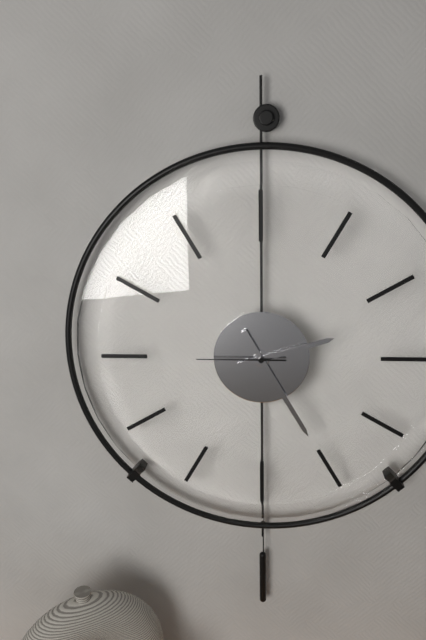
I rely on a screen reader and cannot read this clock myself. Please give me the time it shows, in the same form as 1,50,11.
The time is 2,25,45
